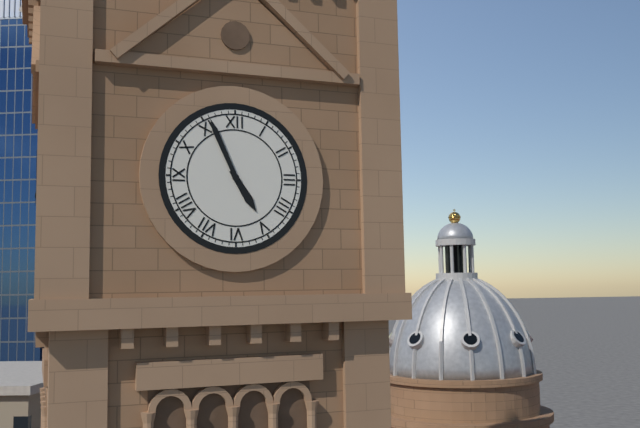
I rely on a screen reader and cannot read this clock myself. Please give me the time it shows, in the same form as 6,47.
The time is 4,56
